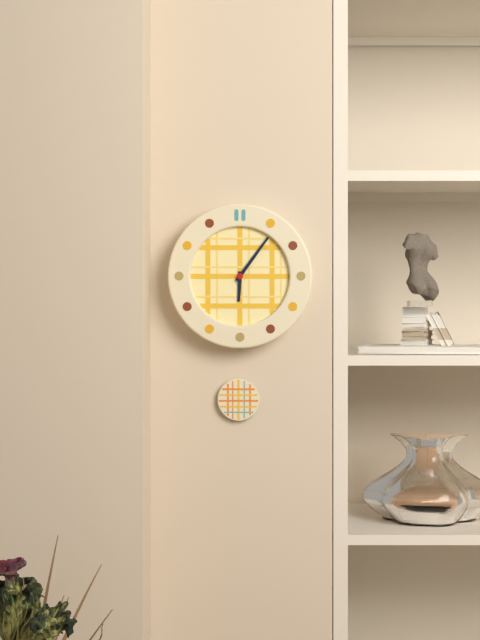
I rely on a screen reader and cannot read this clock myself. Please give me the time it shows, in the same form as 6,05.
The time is 6,06
